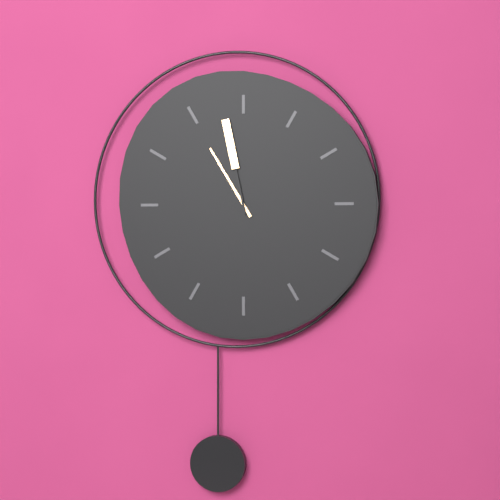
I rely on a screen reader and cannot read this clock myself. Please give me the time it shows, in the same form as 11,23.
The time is 10,58
